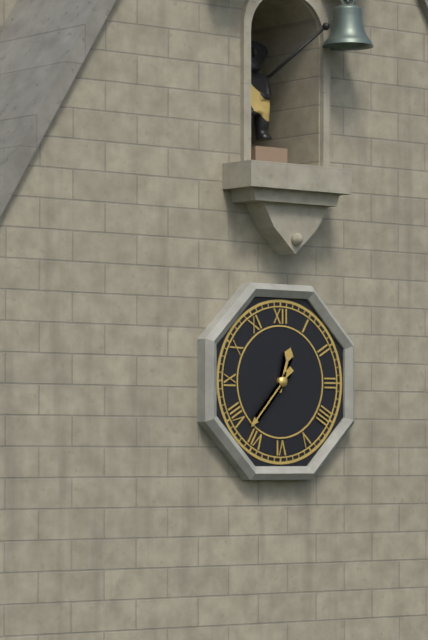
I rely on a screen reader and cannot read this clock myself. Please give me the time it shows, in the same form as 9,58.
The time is 12,37
